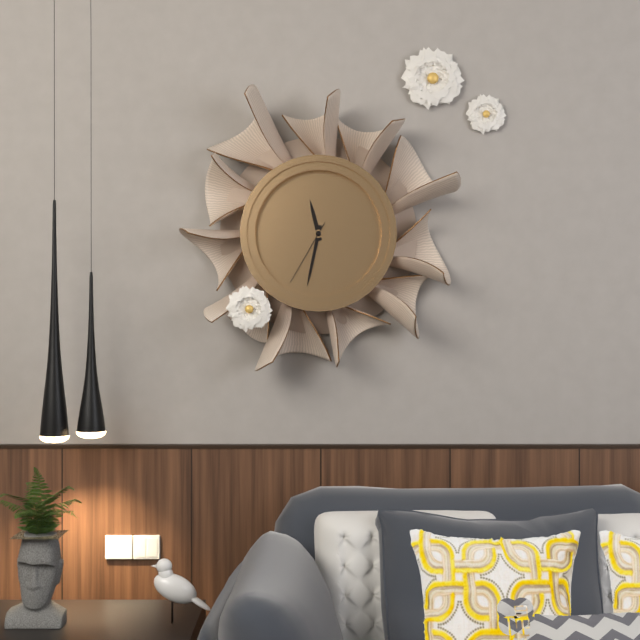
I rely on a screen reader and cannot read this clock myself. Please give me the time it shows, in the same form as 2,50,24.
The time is 11,32,35
